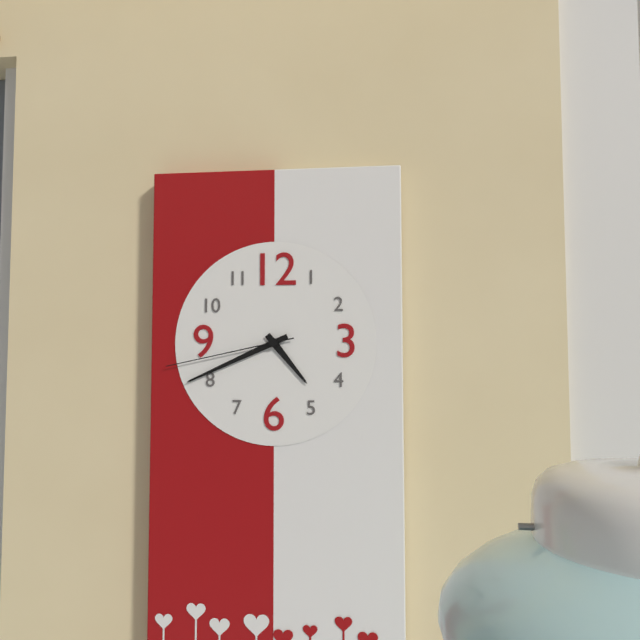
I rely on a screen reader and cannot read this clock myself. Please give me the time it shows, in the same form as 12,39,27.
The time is 4,41,43
